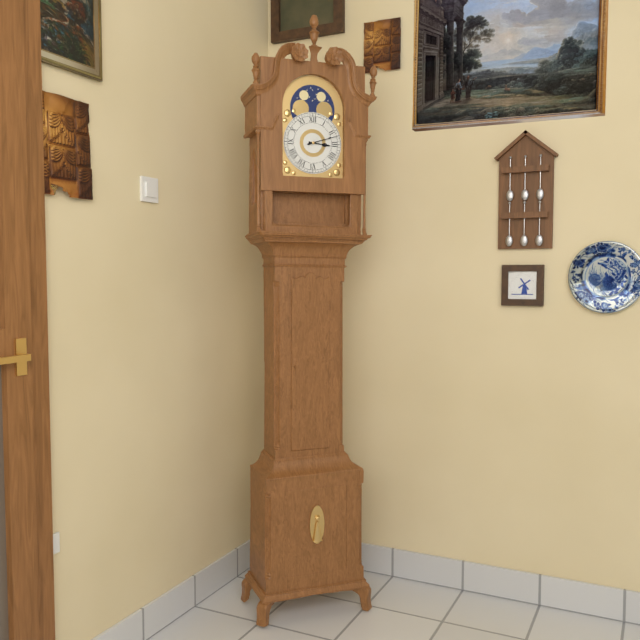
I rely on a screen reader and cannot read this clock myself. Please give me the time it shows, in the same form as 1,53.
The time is 3,12
